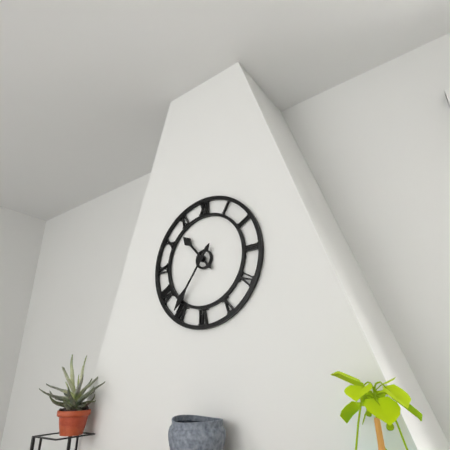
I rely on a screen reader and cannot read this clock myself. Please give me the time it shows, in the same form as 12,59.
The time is 10,36
